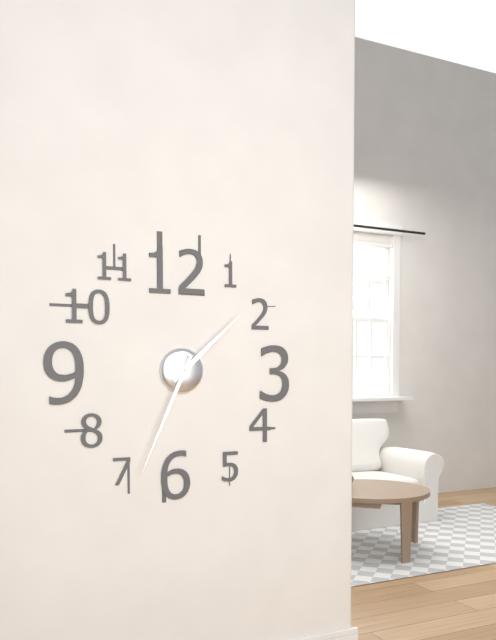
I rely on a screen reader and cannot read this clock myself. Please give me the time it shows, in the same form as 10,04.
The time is 1,34
